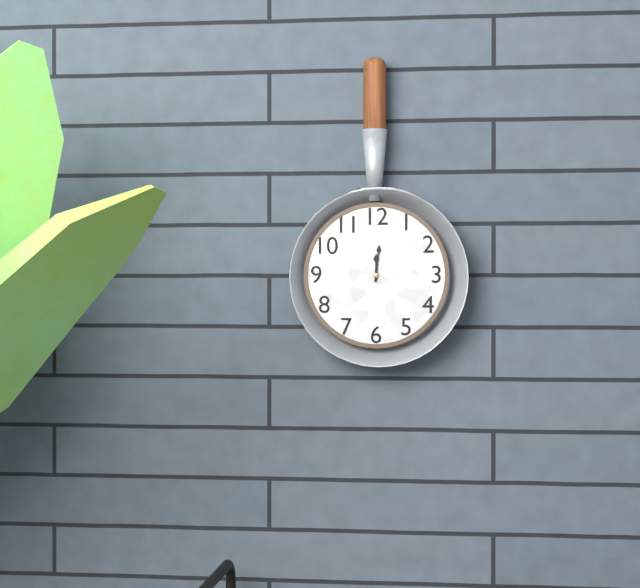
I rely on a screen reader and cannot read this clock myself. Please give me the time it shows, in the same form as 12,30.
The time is 12,01
